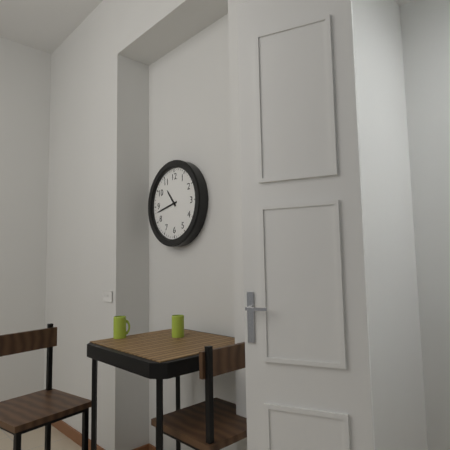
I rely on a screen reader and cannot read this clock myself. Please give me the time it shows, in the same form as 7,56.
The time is 10,43
